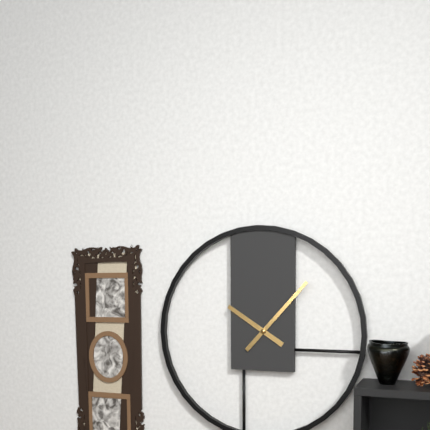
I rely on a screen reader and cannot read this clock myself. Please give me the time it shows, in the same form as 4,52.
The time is 10,07
